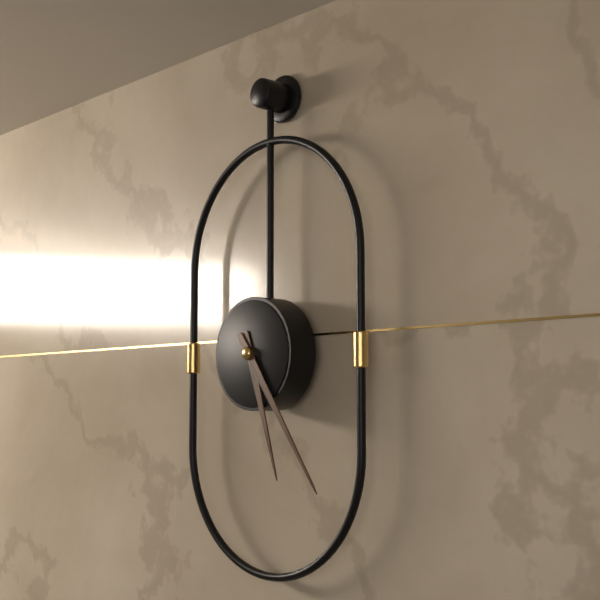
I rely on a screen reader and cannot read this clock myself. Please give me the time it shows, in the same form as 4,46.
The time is 5,24
